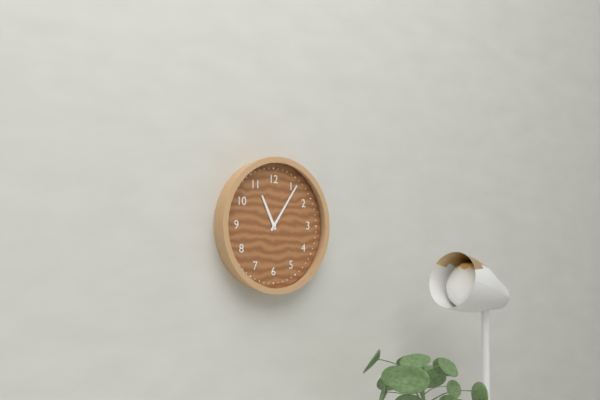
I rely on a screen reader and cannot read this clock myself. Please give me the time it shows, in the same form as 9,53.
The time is 11,06
